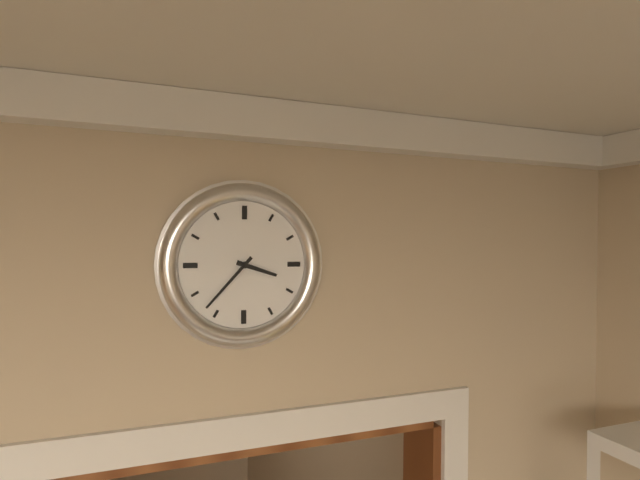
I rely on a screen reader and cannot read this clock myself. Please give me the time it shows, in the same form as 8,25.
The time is 3,37
